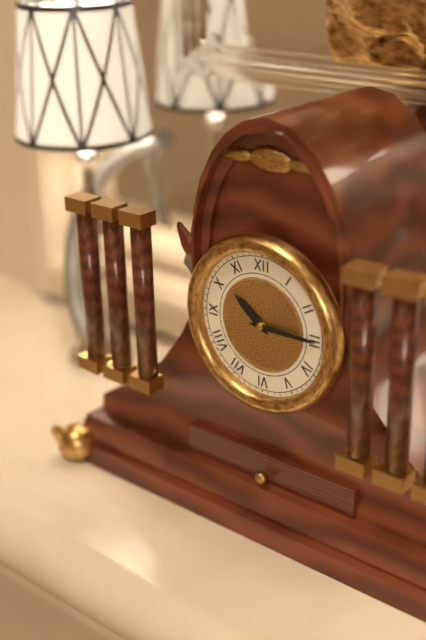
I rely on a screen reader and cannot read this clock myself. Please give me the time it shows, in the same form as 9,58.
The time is 10,15
